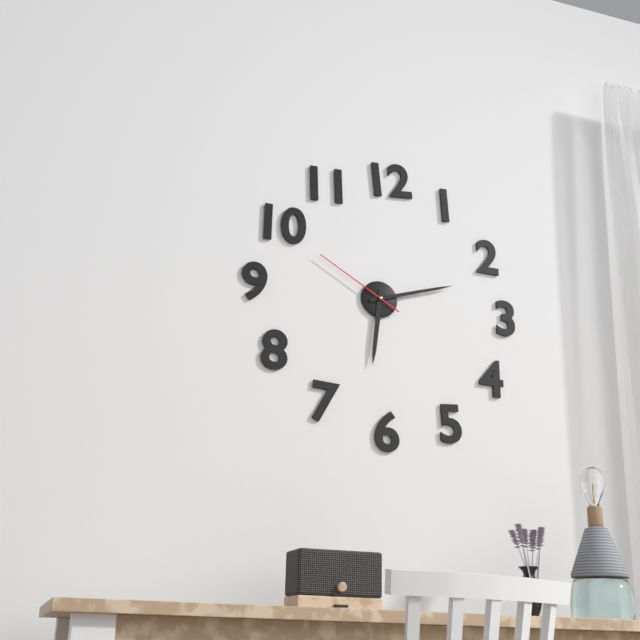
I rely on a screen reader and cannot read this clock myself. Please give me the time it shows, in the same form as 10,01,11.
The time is 6,12,50
